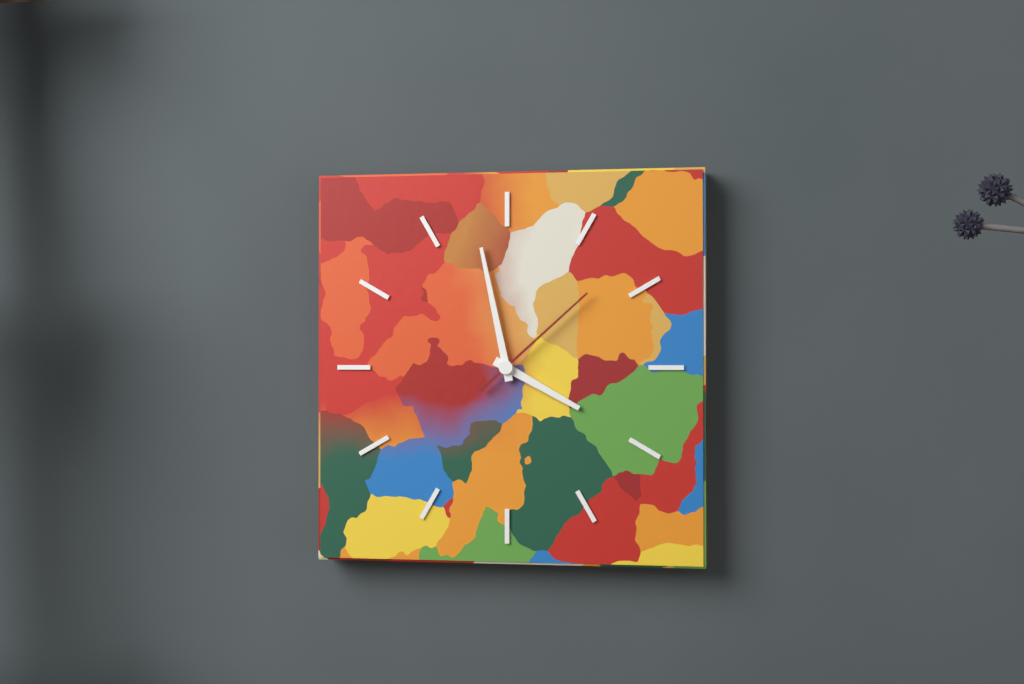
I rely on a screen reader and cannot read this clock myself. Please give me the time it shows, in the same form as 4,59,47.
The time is 3,58,08
